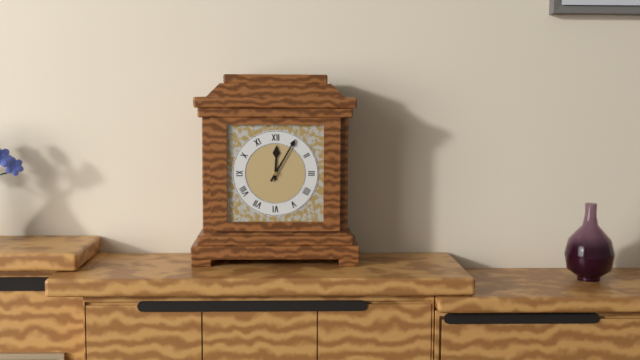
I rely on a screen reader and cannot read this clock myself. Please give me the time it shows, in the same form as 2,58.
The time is 12,05
